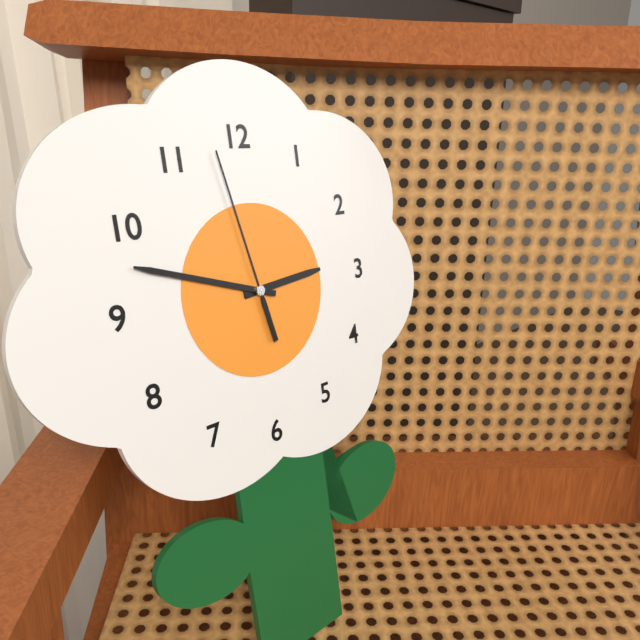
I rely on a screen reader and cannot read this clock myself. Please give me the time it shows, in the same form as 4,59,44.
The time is 2,48,58
